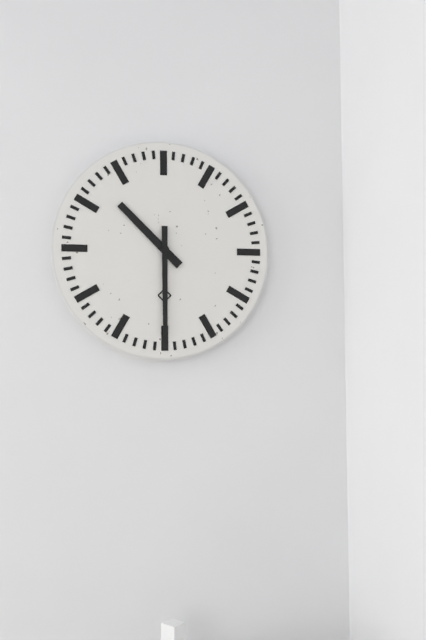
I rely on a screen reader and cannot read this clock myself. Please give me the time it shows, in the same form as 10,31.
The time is 10,30
